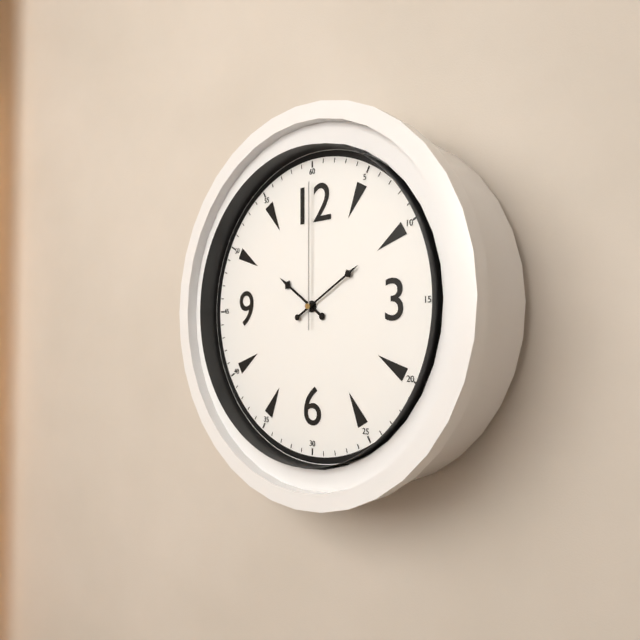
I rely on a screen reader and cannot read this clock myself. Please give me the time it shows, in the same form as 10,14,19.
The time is 10,10,00
